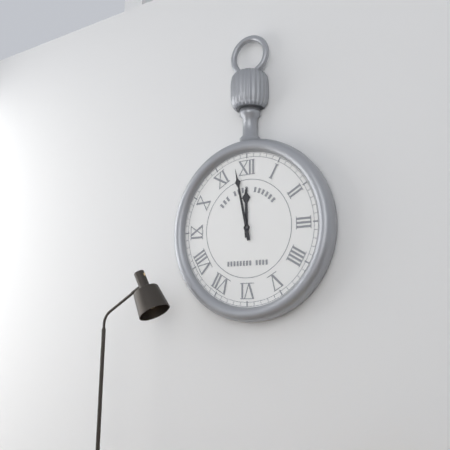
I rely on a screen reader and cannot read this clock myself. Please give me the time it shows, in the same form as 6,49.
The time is 11,58
